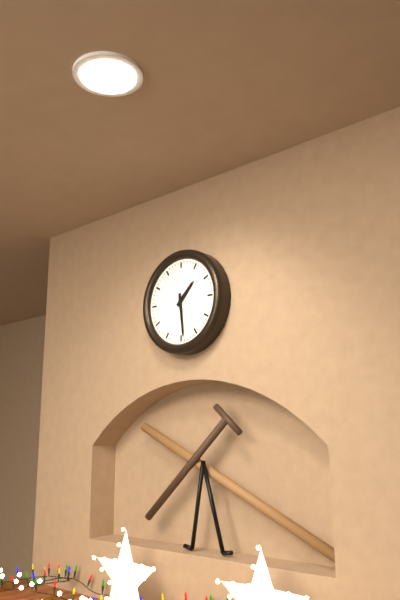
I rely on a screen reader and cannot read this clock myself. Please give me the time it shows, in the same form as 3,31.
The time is 1,29
